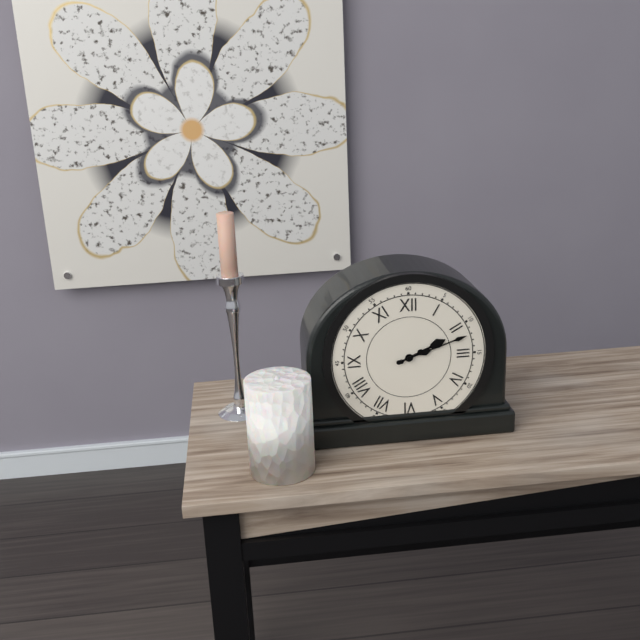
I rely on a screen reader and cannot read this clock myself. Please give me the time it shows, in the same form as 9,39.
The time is 2,12
